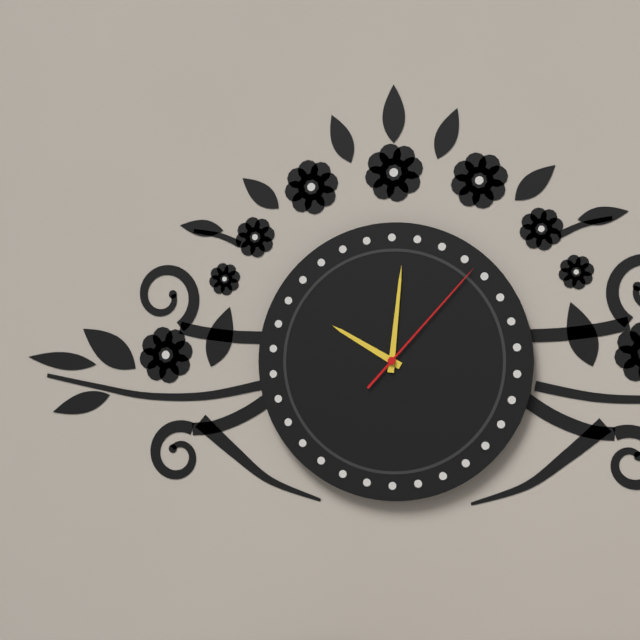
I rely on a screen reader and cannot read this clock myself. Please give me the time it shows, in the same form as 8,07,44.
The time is 10,01,07
